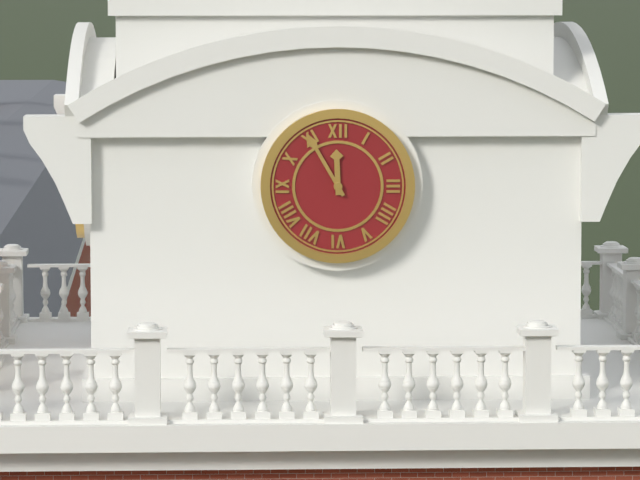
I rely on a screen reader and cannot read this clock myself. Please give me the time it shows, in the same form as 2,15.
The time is 11,55
